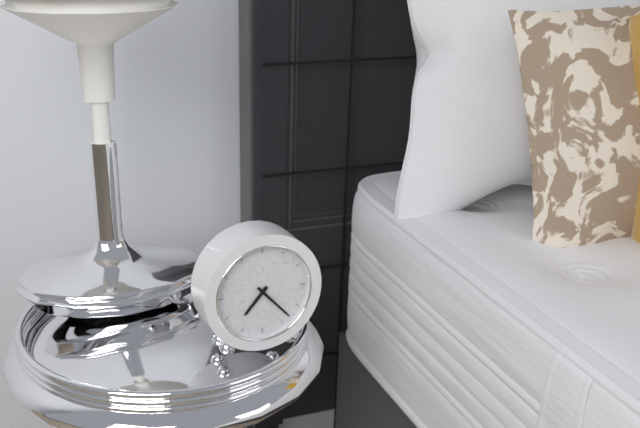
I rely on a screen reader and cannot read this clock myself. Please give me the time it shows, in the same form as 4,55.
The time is 7,23
